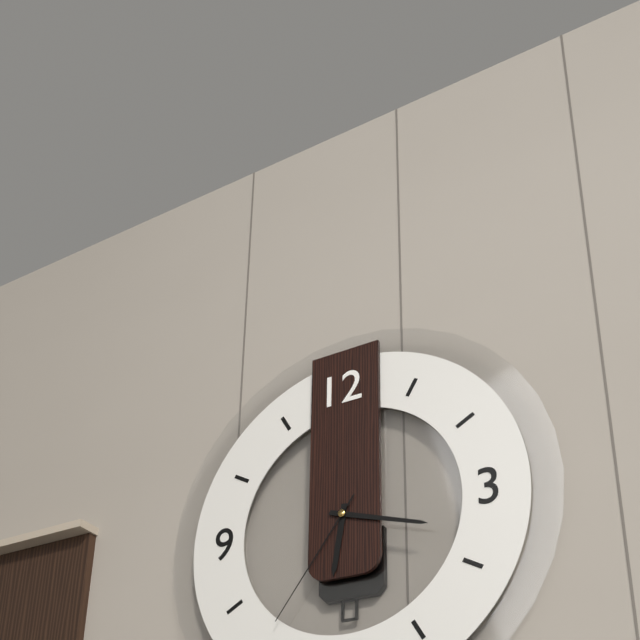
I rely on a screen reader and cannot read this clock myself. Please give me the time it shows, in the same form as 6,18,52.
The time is 6,18,36
